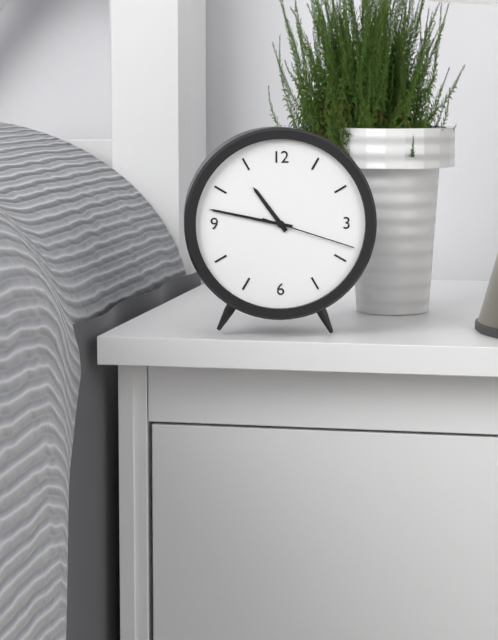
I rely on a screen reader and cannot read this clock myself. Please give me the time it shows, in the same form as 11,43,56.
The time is 10,47,18
